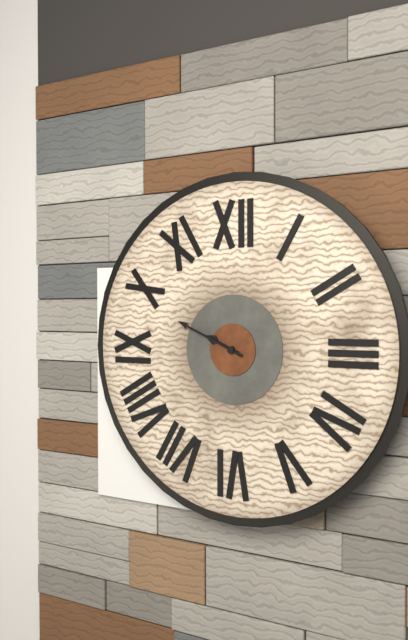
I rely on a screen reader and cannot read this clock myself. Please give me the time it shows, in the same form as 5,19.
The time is 9,49
